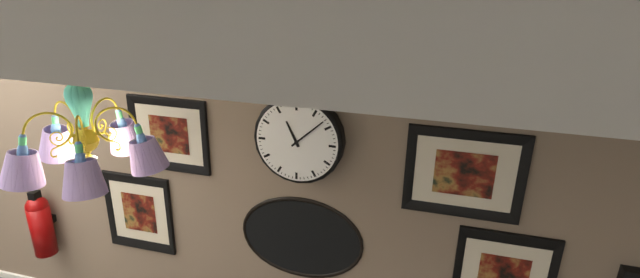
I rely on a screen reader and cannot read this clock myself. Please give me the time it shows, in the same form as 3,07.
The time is 11,08
